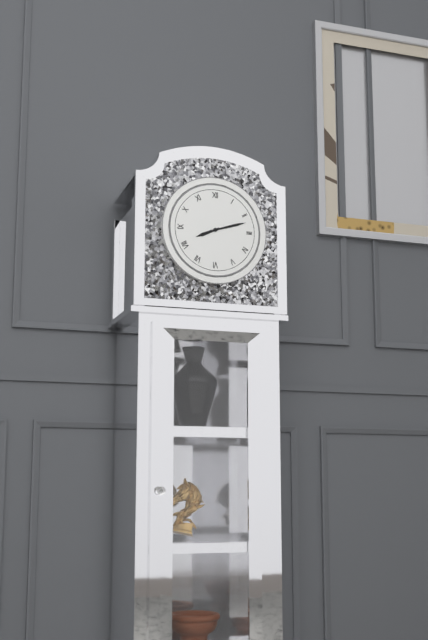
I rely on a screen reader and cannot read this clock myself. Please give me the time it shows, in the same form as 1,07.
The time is 8,12
